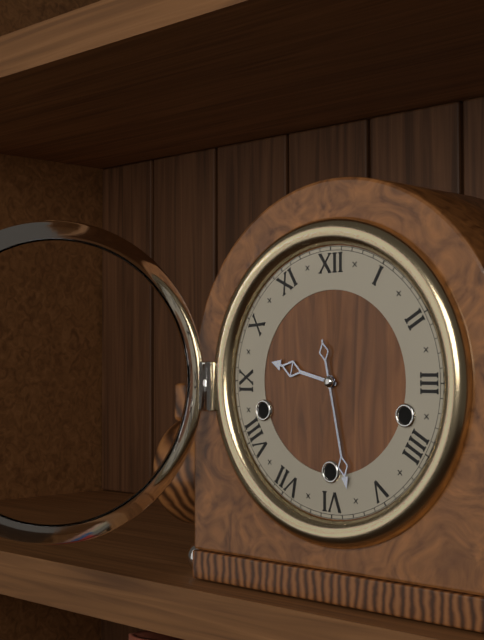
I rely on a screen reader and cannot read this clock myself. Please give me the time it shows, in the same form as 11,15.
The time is 9,28
